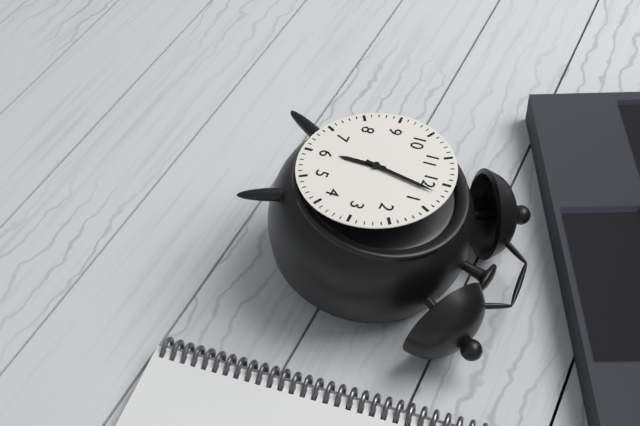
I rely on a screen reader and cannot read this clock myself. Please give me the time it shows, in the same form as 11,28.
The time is 6,02
